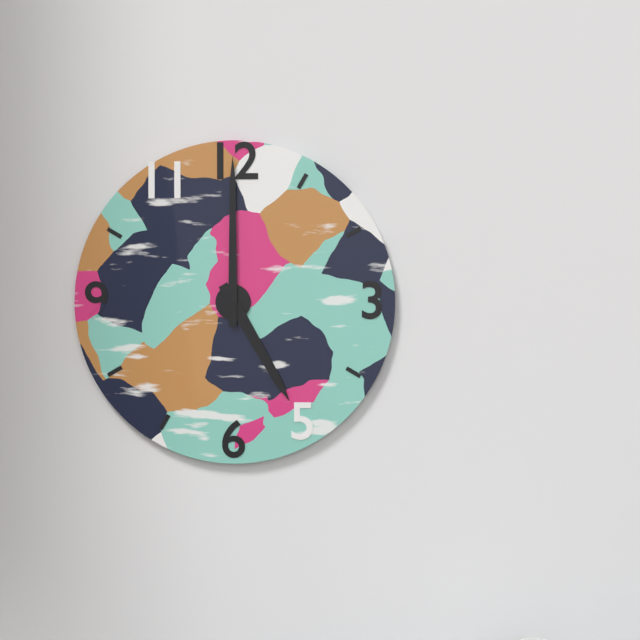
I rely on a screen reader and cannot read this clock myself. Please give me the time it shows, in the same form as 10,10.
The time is 5,00
